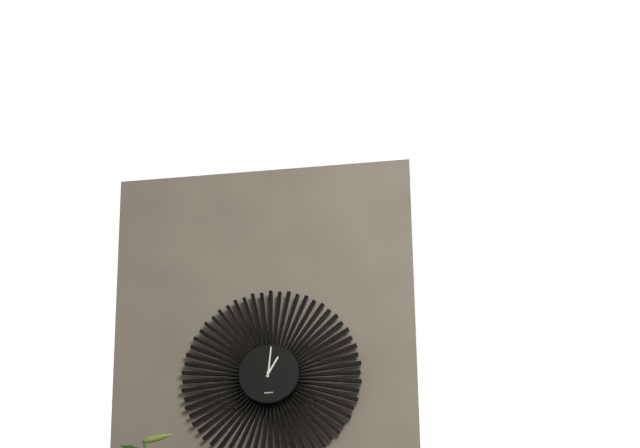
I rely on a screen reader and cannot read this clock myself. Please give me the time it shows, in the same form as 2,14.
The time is 1,01
